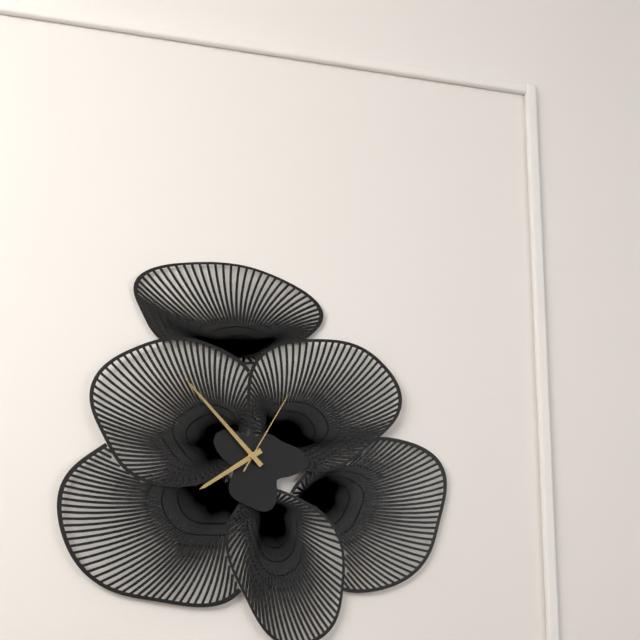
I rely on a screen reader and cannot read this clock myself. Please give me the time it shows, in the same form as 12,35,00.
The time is 7,53,05
